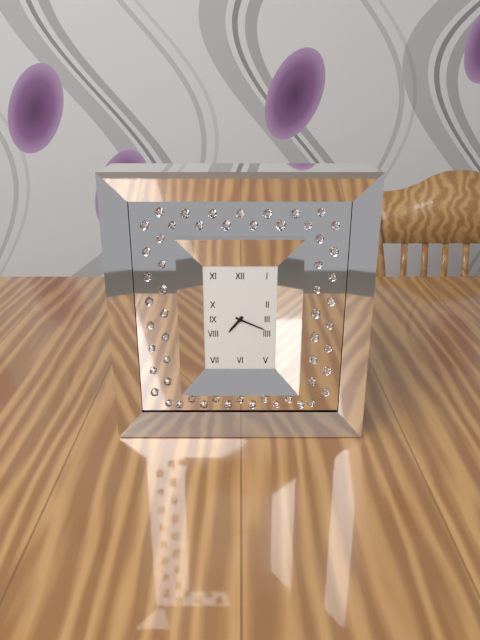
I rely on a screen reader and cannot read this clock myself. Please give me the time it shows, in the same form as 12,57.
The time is 7,19
